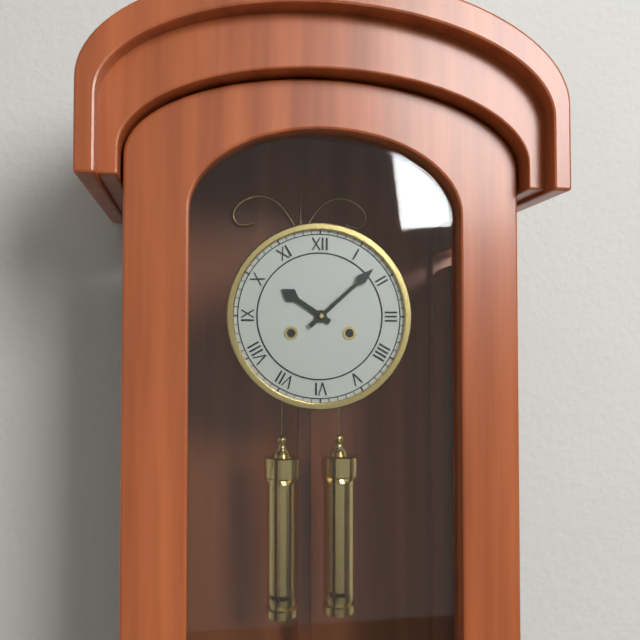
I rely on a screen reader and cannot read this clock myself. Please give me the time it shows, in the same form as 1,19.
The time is 10,08
